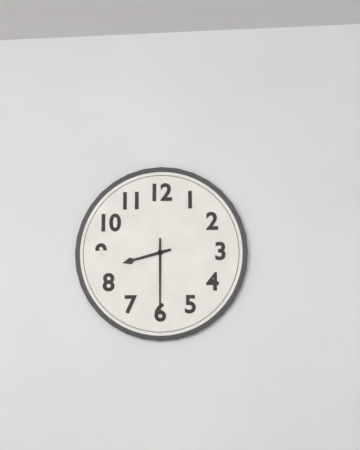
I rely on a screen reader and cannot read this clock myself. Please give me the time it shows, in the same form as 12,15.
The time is 8,30
